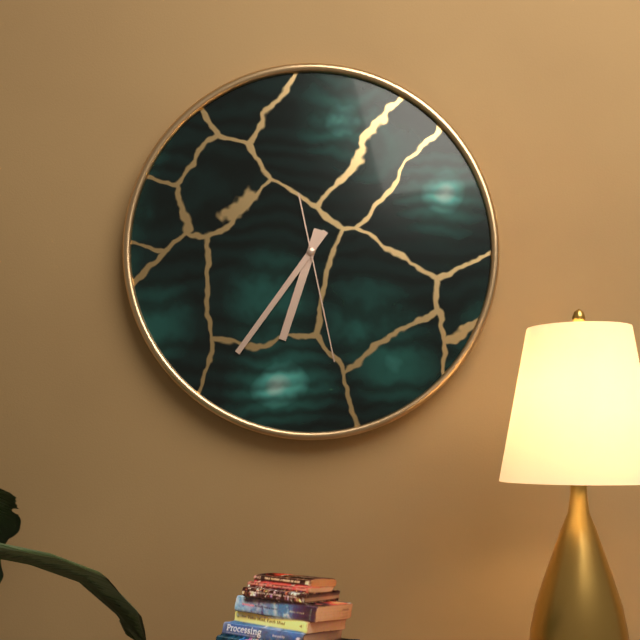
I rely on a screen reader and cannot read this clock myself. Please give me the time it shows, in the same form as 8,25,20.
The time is 6,36,28
